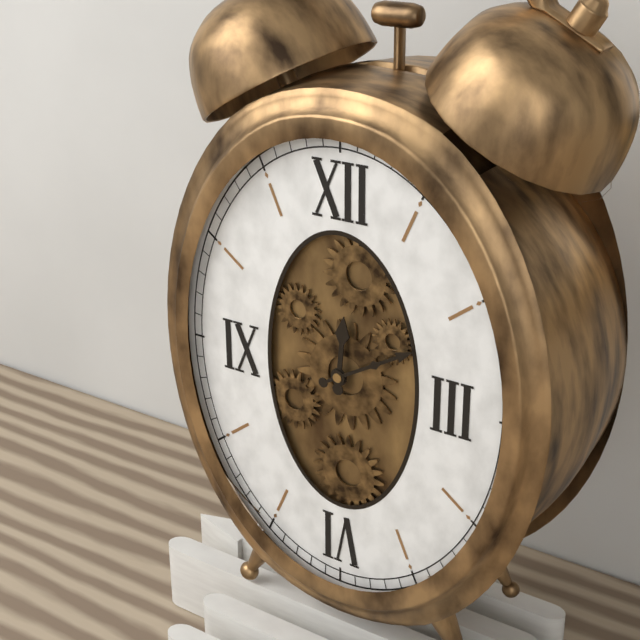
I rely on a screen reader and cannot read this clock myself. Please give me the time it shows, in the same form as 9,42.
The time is 12,10
